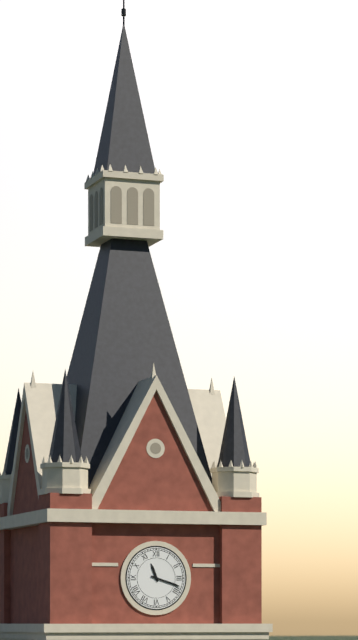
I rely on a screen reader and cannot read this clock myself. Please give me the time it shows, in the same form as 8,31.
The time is 11,18
